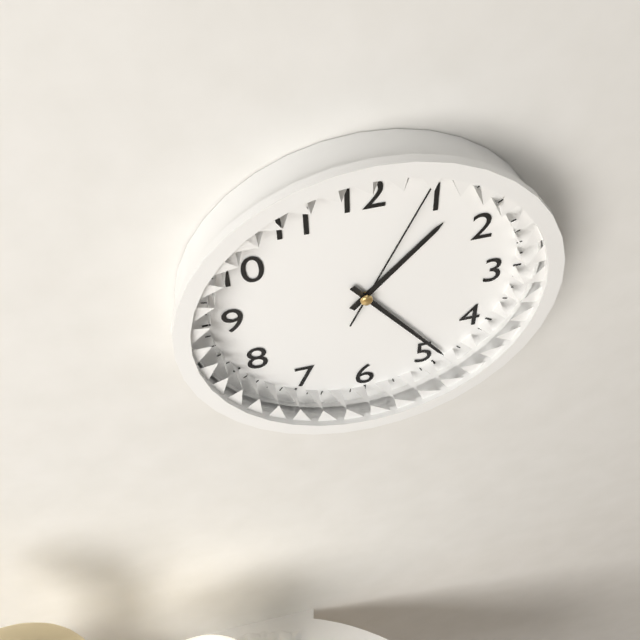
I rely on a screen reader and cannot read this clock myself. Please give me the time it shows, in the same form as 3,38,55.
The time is 1,24,04
